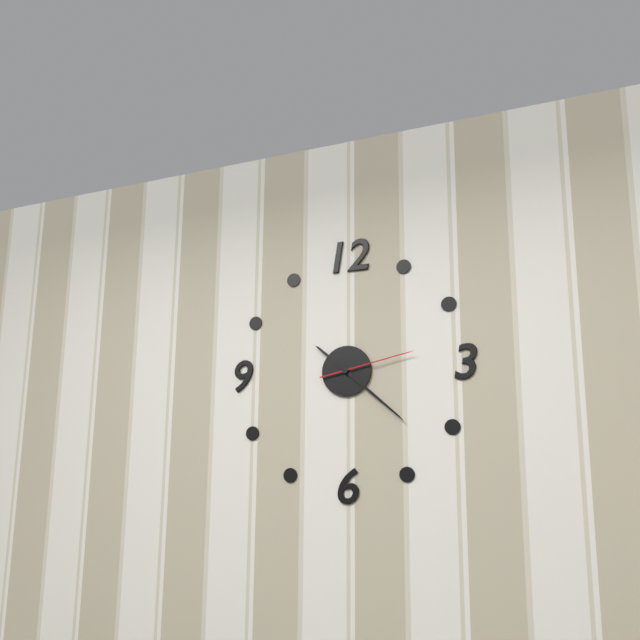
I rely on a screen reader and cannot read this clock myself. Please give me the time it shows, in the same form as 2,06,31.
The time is 10,22,13
